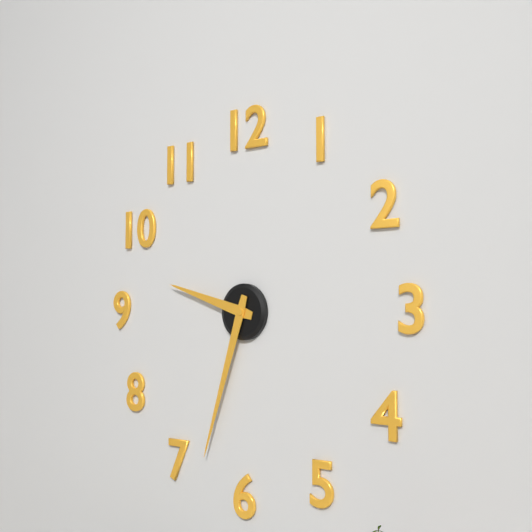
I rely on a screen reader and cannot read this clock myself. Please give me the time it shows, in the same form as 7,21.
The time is 9,33
